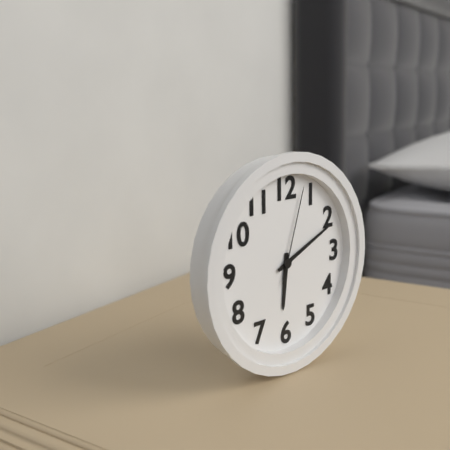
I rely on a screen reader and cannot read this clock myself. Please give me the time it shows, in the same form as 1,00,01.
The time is 6,11,03
